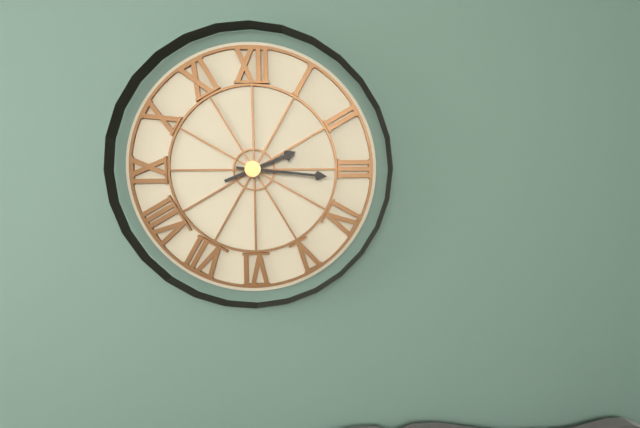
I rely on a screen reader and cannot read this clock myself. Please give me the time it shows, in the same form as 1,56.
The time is 2,16
